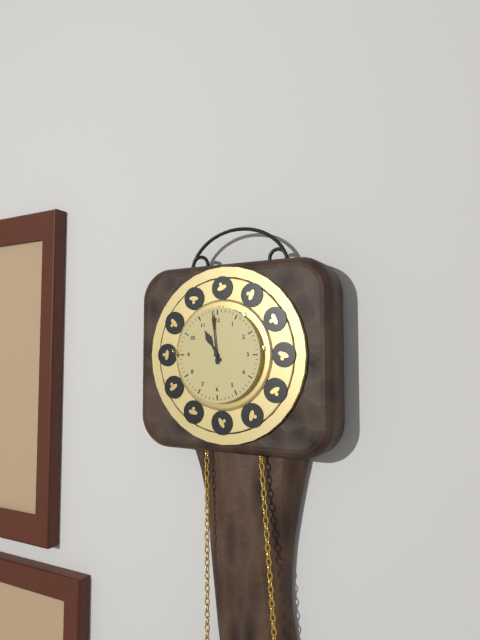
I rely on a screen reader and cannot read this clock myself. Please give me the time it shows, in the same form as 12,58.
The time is 10,59
